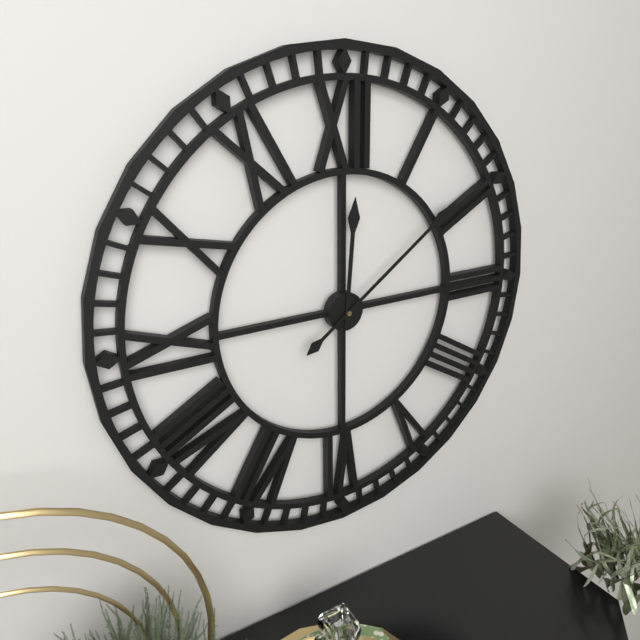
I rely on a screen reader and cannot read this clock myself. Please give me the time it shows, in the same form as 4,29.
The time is 12,09
